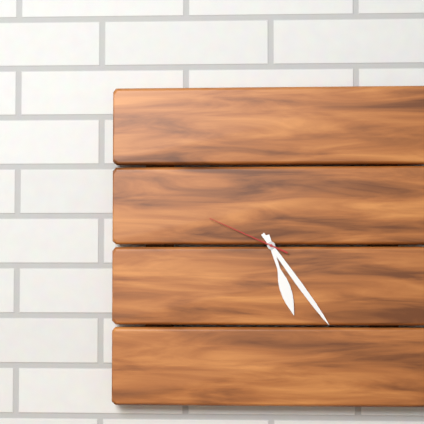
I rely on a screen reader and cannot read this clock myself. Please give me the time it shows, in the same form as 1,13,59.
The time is 5,24,49
